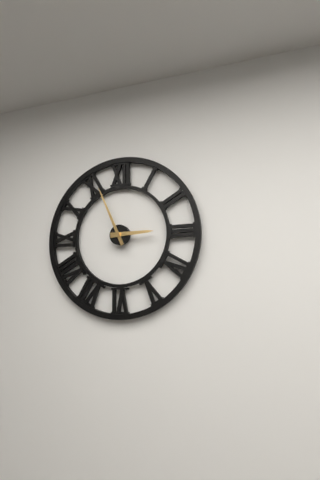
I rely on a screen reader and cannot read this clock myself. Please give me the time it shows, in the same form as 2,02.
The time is 2,56
